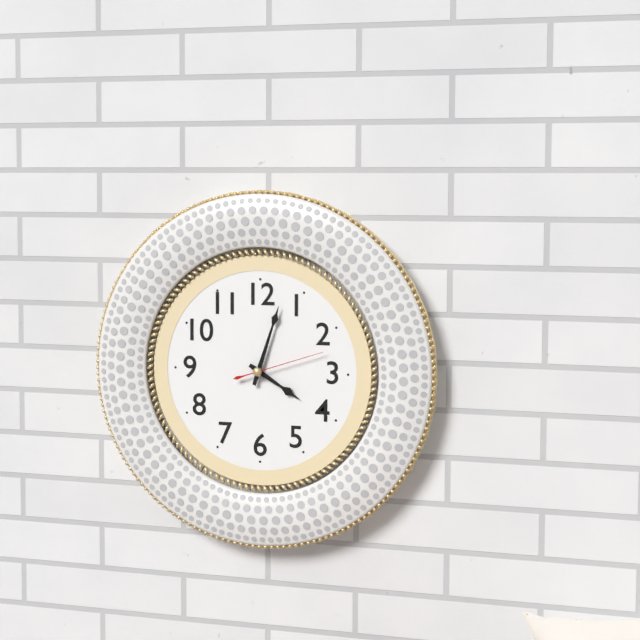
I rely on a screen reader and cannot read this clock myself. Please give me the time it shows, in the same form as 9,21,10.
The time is 4,03,12
